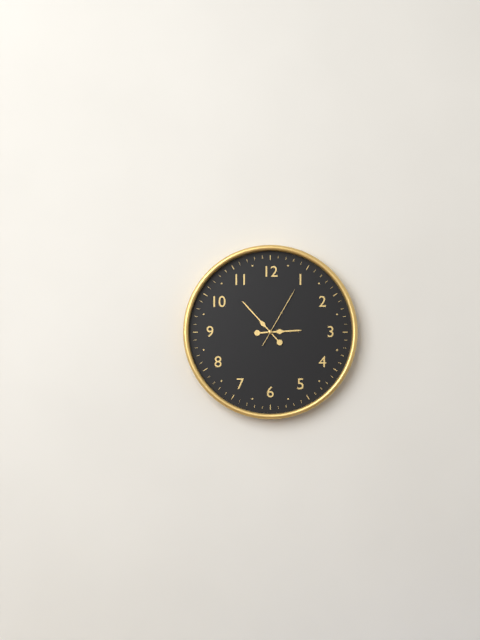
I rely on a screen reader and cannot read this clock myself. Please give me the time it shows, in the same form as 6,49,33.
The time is 2,53,05
